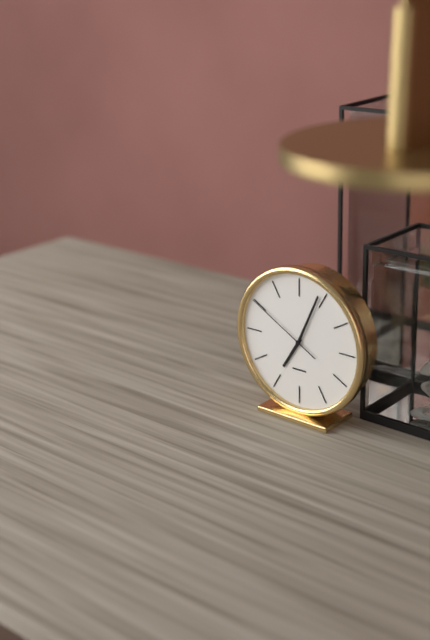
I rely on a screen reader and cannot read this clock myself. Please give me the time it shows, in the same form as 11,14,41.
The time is 7,04,50
